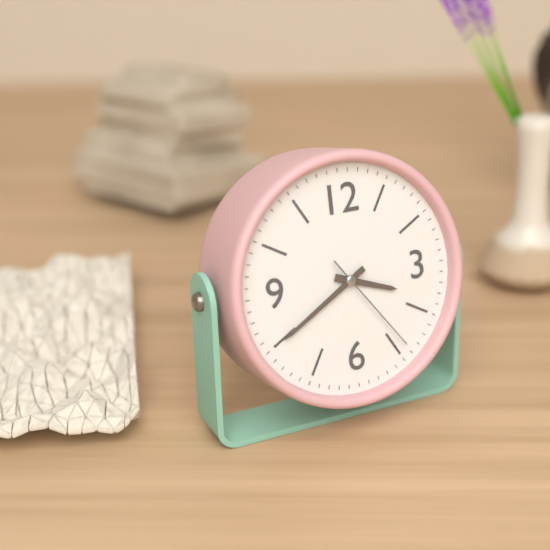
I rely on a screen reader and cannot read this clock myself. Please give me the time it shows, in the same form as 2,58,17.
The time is 3,40,24
